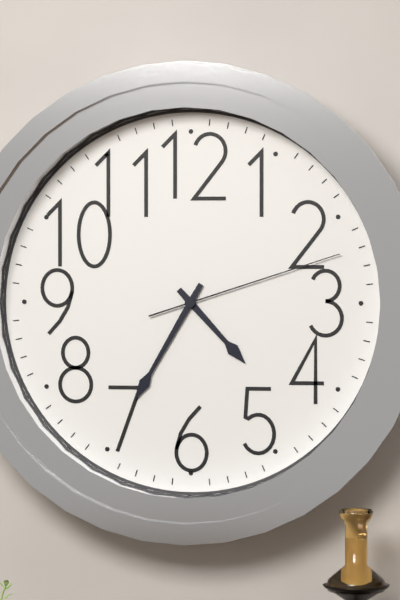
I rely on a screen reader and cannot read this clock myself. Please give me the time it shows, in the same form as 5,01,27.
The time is 4,35,12
